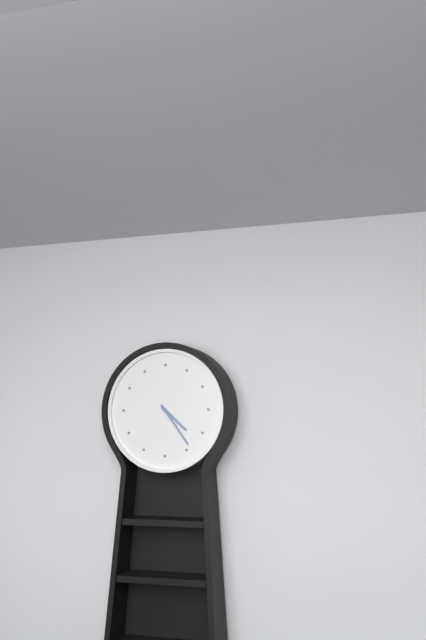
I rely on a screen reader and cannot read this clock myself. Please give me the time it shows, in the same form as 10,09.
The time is 4,24
